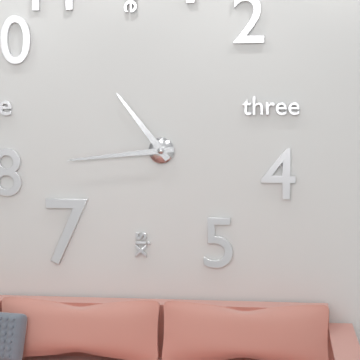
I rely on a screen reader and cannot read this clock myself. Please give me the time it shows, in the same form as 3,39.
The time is 10,44
